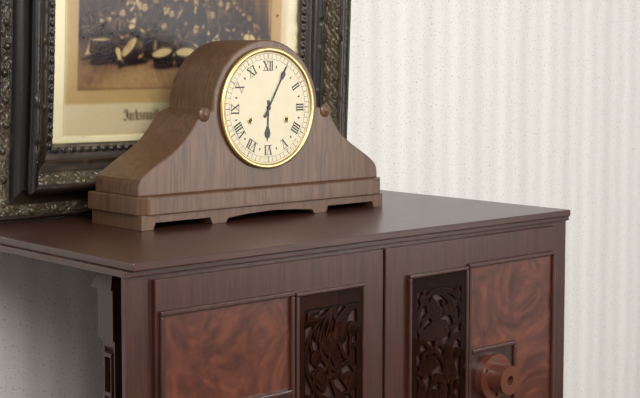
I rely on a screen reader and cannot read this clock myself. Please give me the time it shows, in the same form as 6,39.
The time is 6,05
